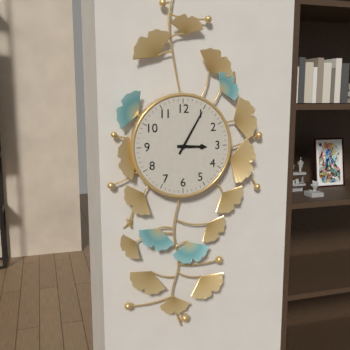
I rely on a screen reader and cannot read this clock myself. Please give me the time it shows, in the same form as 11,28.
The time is 3,05
